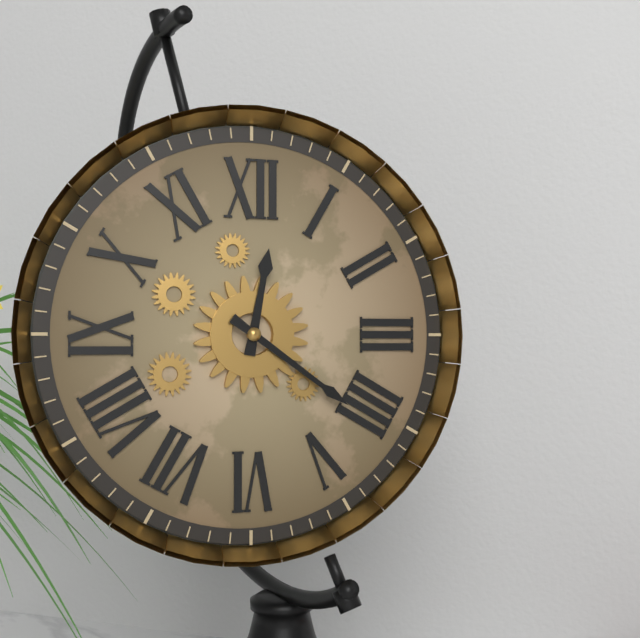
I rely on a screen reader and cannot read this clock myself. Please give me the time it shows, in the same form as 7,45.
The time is 12,21
